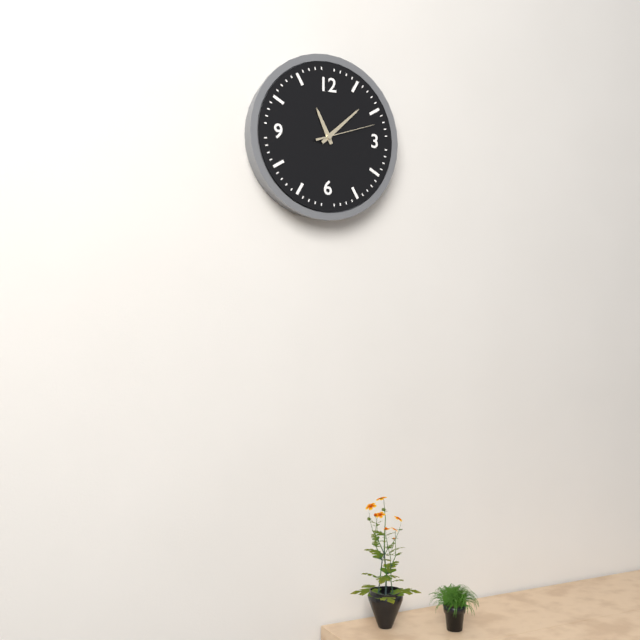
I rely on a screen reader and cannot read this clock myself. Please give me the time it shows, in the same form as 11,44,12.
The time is 11,08,12
